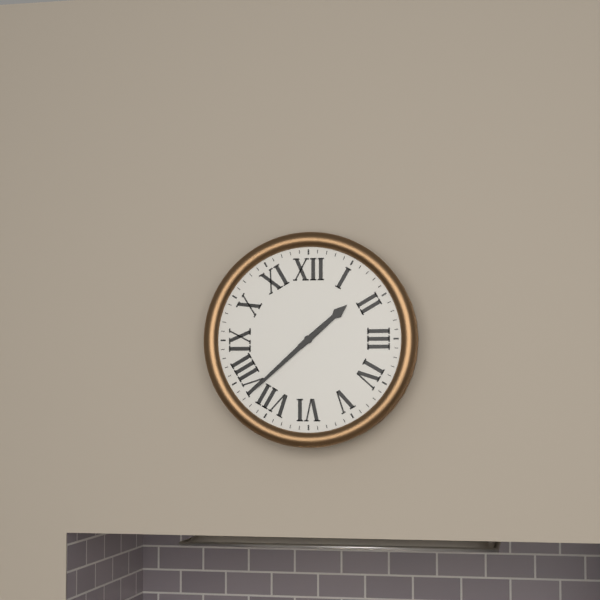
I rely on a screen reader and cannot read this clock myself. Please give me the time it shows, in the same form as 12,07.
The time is 1,38
